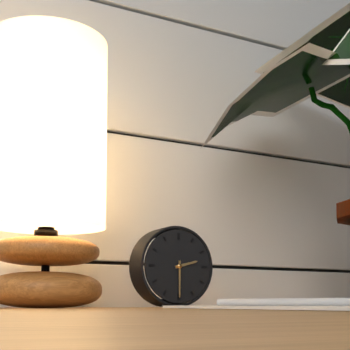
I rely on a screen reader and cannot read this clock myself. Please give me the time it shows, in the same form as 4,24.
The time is 2,30
